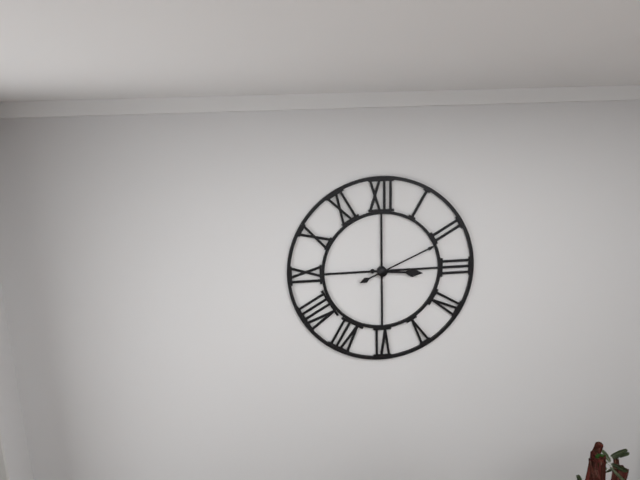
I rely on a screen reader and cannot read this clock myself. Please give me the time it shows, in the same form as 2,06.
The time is 3,11
